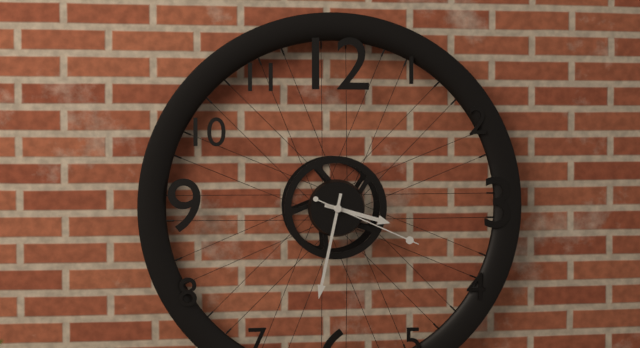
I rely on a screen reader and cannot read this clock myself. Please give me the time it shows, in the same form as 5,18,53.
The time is 3,32,19
